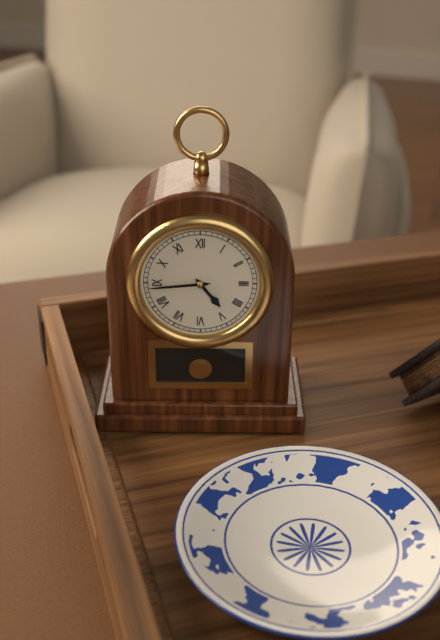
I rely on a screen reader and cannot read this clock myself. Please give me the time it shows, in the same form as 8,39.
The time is 4,44
